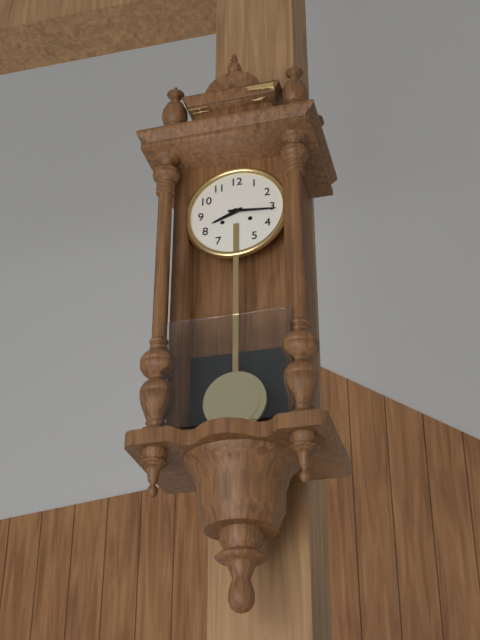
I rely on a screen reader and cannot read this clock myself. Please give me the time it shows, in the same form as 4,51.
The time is 8,16
